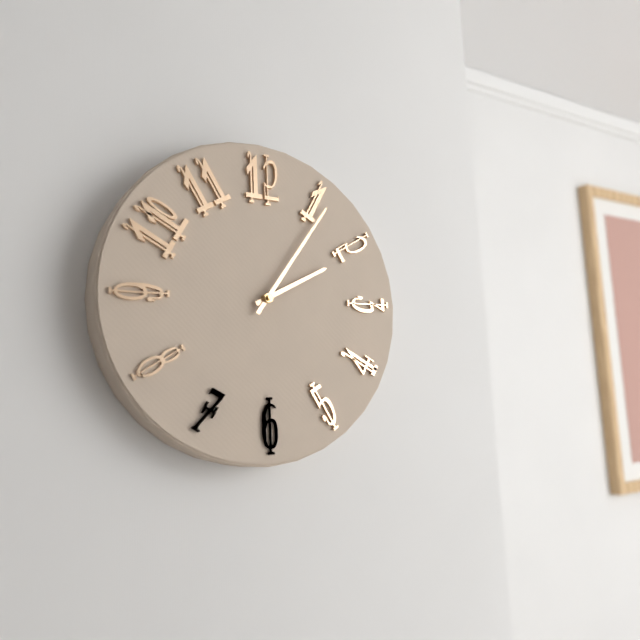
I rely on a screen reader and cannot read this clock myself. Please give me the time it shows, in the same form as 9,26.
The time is 2,06
